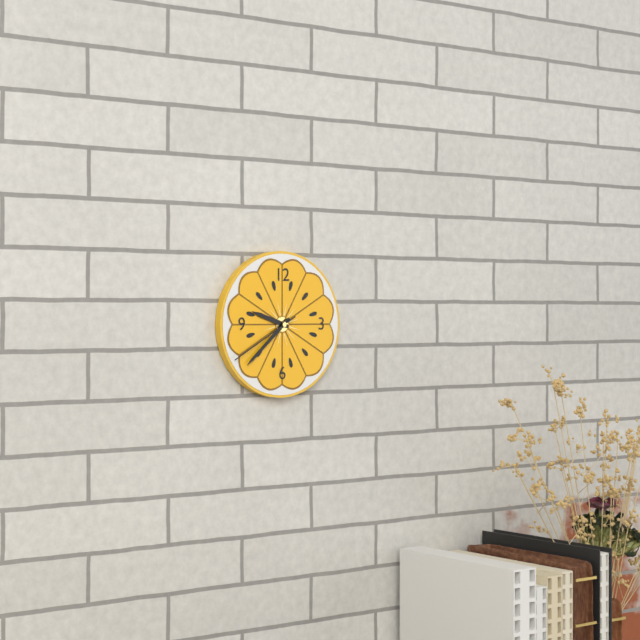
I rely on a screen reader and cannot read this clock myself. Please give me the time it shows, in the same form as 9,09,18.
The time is 9,38,40
